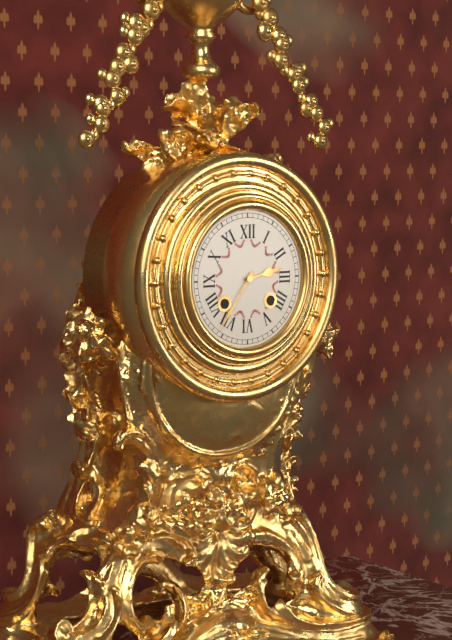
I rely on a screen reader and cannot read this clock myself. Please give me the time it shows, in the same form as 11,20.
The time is 2,36
